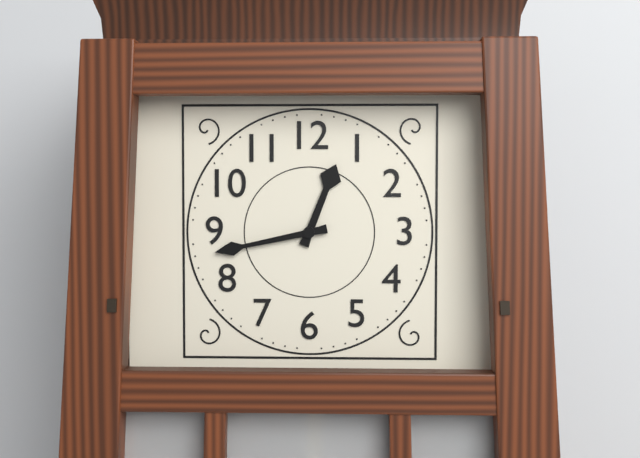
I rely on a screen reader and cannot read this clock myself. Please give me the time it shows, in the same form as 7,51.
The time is 12,43
